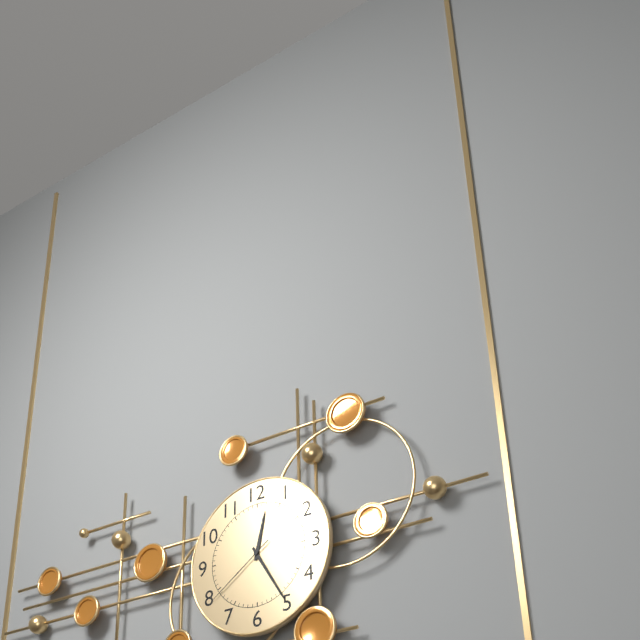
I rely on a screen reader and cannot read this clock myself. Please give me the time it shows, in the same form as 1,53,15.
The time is 12,25,39
